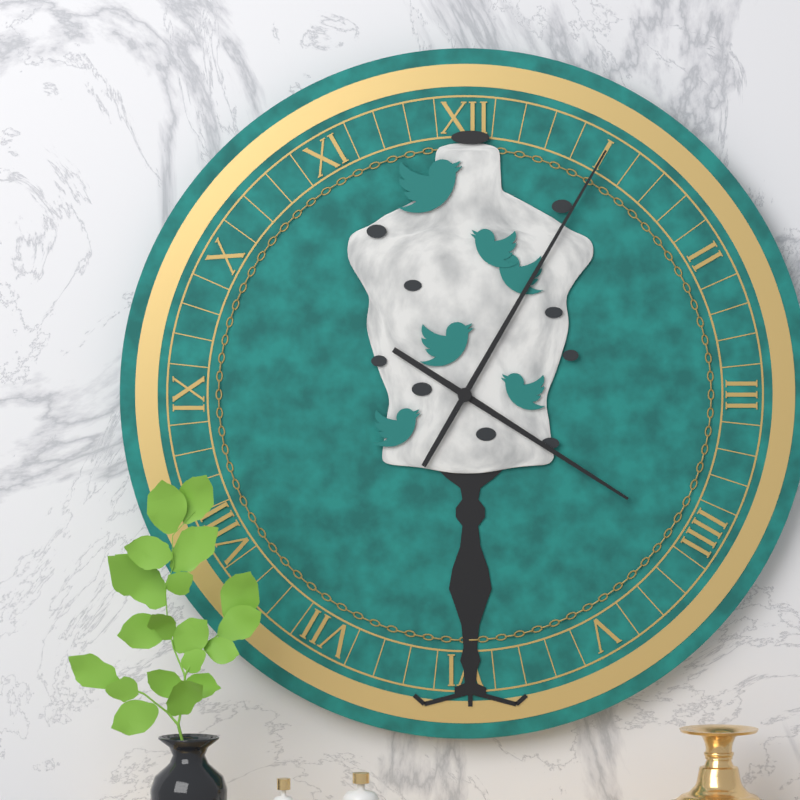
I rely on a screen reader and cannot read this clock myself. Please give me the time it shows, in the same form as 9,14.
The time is 4,05
